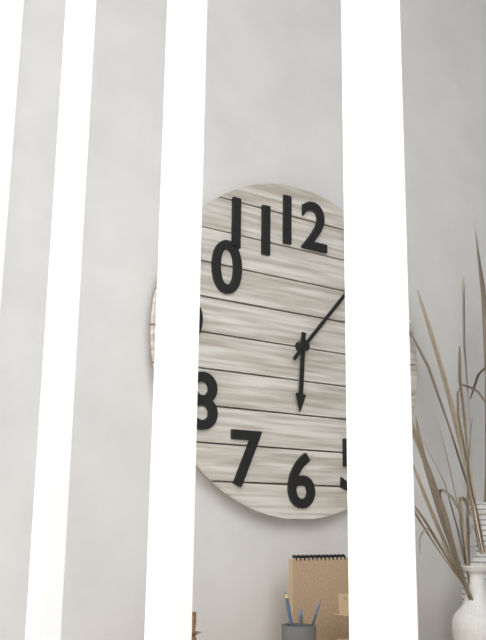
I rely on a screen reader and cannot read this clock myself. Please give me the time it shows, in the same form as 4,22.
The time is 6,07
